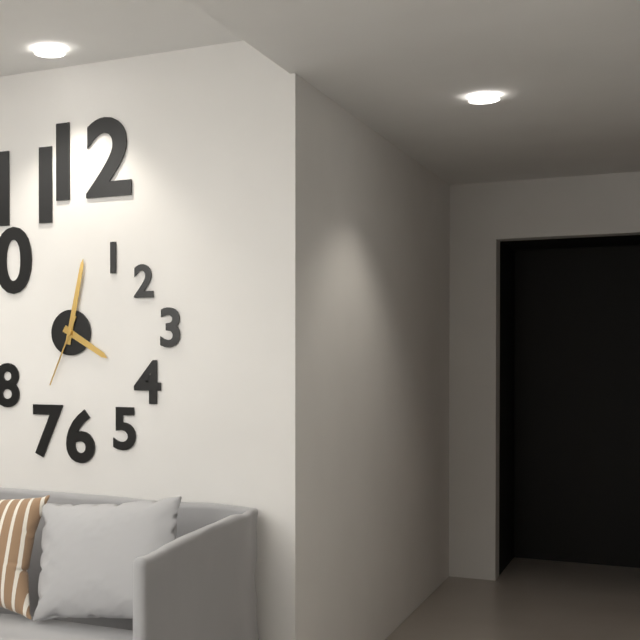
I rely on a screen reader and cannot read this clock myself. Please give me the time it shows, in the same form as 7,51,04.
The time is 4,02,34
